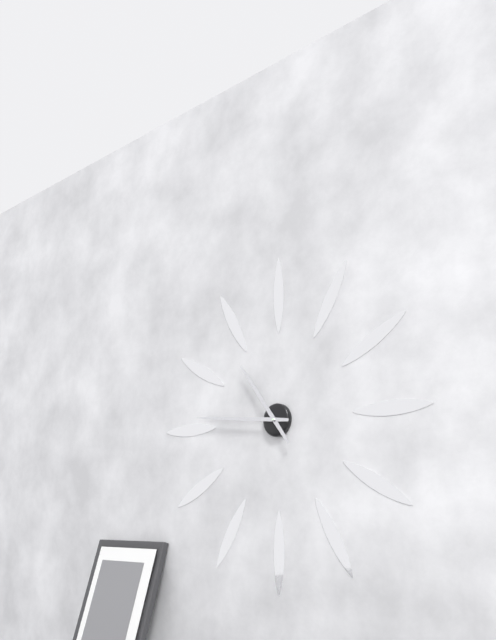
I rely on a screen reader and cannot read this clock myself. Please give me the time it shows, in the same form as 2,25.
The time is 10,46
